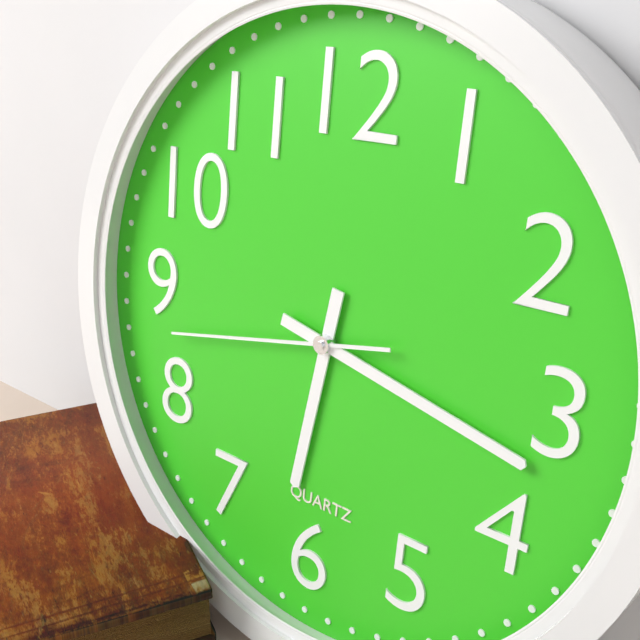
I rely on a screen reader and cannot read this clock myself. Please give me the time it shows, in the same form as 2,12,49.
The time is 6,17,43
